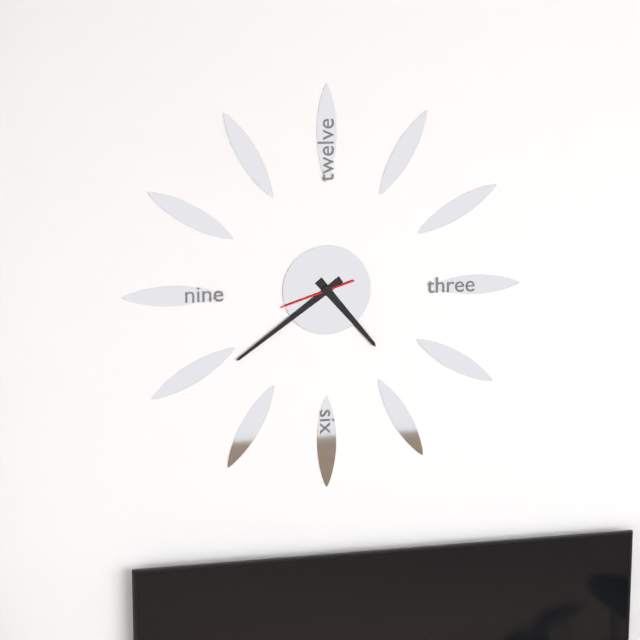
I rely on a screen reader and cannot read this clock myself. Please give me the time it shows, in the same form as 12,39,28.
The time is 4,39,42
